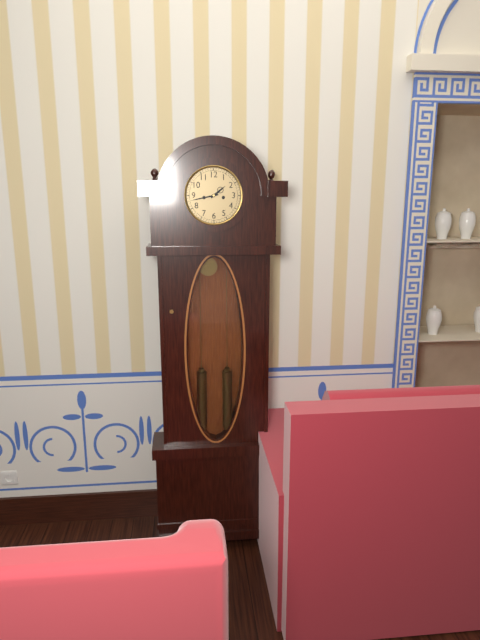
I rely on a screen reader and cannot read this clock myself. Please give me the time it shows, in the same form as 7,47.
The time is 1,43
